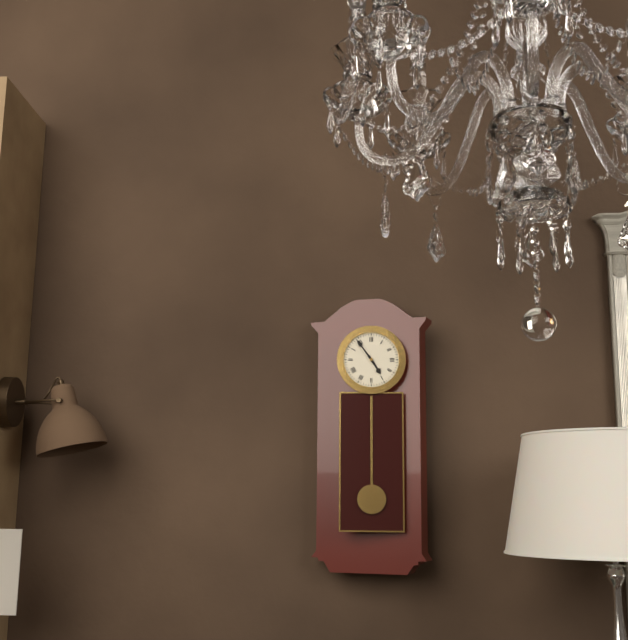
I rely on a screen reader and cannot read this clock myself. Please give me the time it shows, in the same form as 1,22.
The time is 4,54
